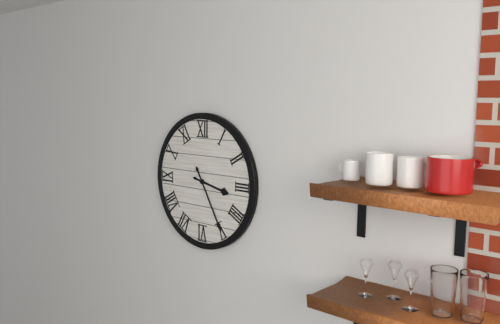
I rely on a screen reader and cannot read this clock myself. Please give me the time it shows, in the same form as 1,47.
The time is 3,25
